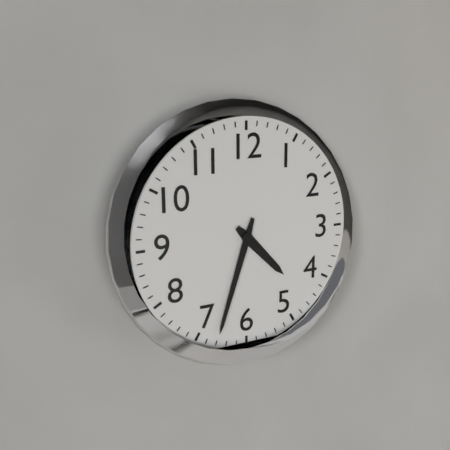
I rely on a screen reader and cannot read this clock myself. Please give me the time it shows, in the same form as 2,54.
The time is 4,33
